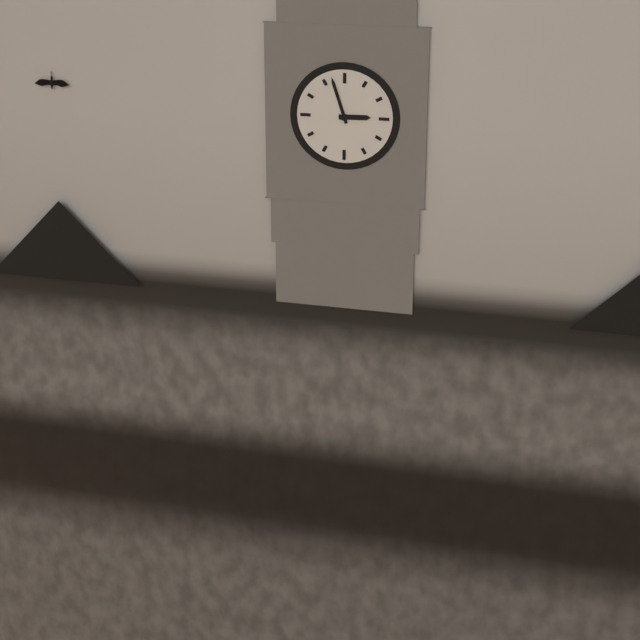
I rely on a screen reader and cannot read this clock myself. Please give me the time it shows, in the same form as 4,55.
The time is 2,57
